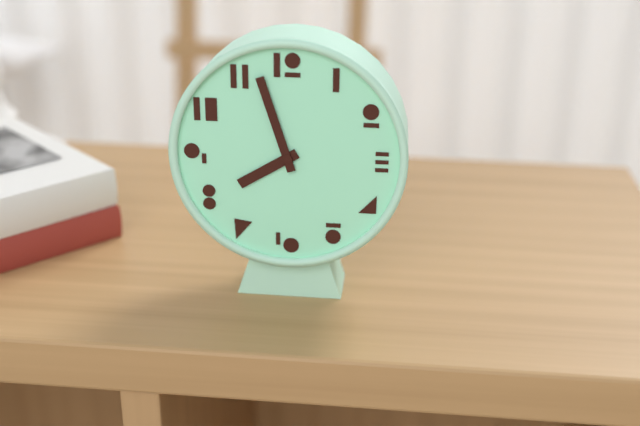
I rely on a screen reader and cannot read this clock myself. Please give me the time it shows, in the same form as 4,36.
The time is 7,57
